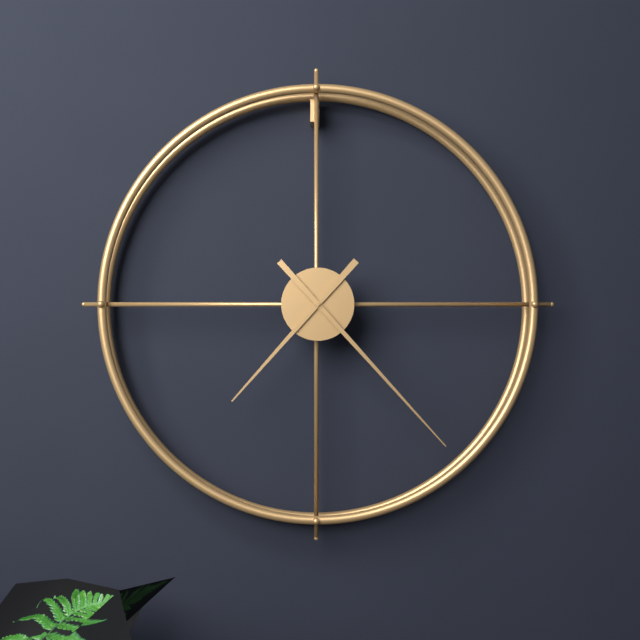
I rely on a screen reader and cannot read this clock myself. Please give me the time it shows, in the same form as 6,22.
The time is 7,23
